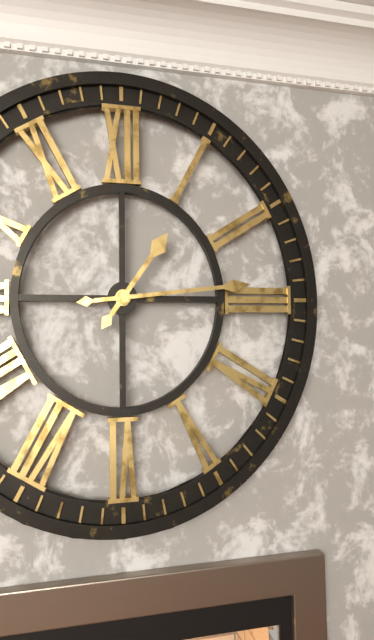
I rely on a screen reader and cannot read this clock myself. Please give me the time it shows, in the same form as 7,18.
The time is 1,14
